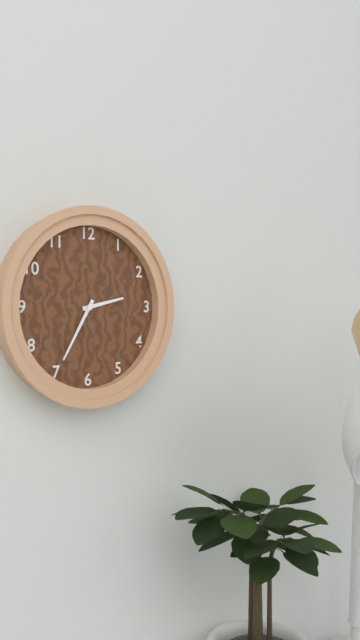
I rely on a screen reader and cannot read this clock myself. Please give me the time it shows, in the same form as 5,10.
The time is 2,35
